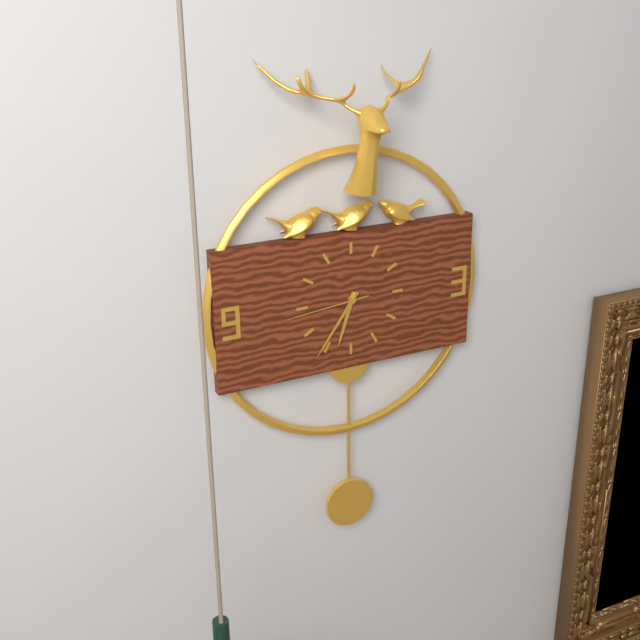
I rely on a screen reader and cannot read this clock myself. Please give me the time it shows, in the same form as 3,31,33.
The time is 6,36,44
